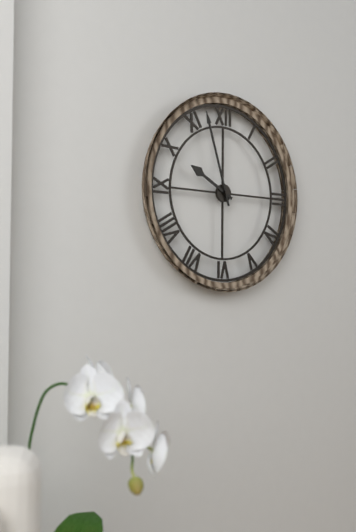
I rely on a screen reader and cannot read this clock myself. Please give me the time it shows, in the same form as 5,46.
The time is 9,57
